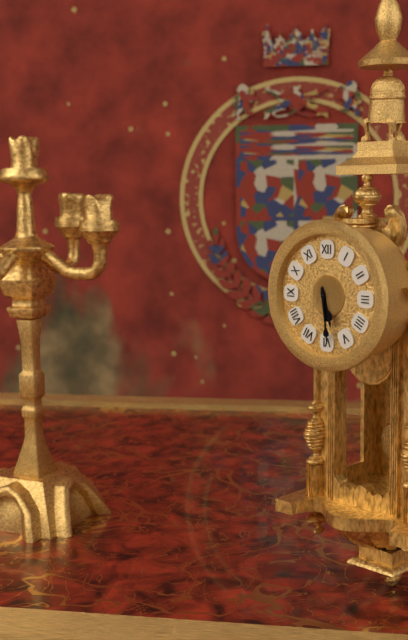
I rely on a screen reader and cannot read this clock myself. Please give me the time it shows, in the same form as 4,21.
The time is 5,29
